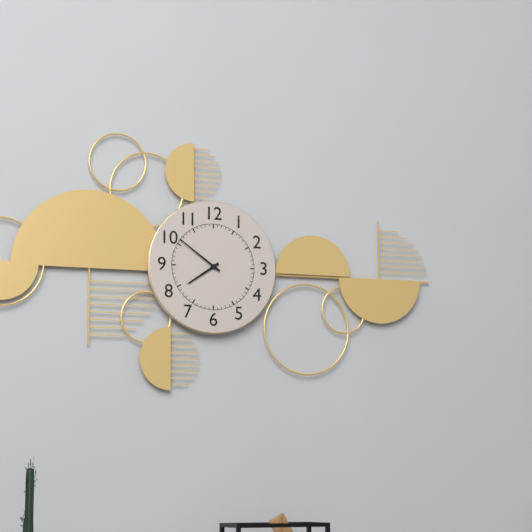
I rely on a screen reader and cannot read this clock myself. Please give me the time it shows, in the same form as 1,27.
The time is 7,51
